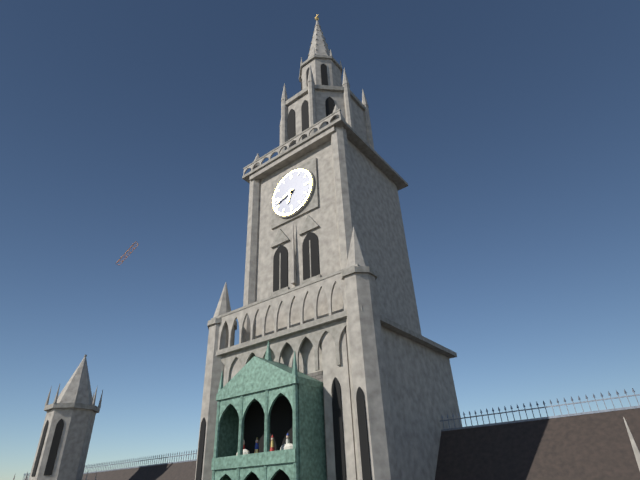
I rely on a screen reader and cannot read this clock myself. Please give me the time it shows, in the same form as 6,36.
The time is 6,42
